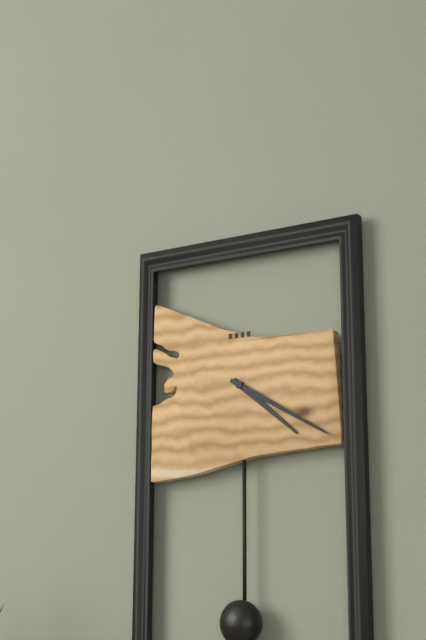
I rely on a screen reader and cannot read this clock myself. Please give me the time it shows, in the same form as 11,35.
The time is 4,20
